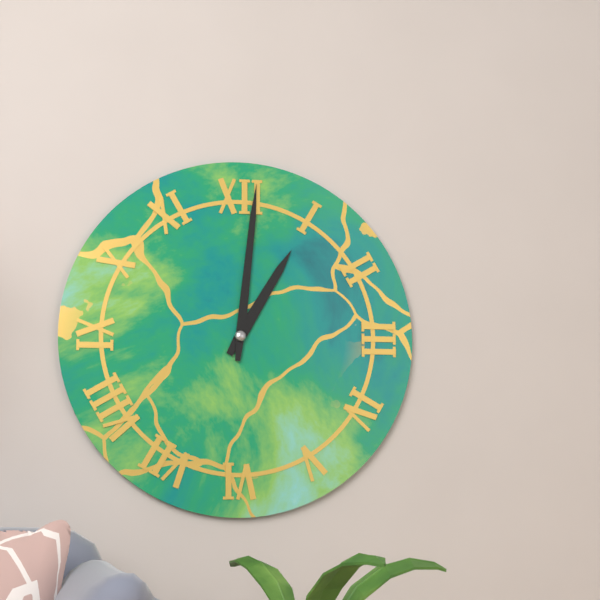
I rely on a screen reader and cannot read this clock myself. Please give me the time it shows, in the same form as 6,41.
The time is 1,01
